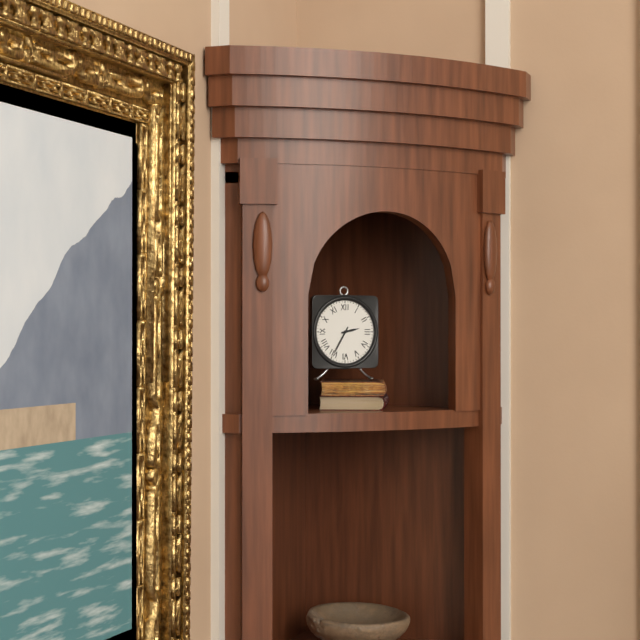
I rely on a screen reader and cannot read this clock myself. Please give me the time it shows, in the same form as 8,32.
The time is 2,35
